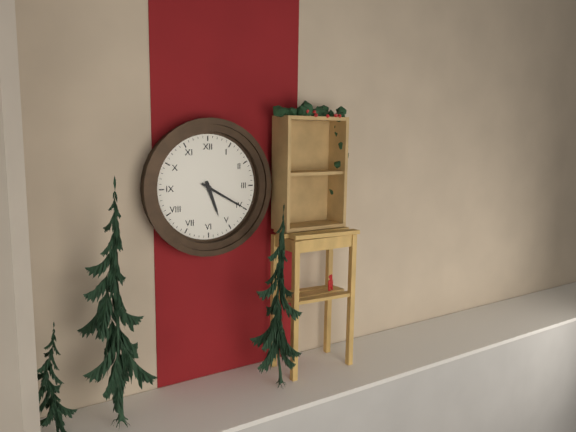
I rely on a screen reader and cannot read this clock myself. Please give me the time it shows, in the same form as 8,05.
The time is 5,20
